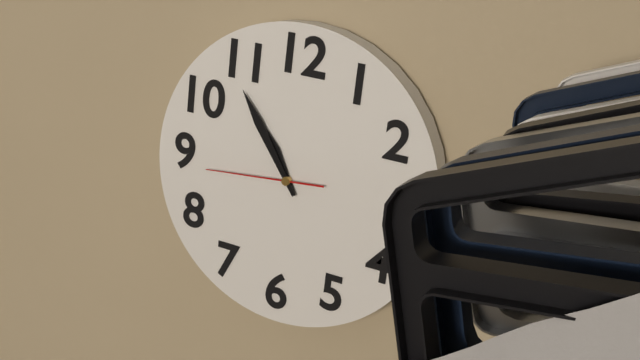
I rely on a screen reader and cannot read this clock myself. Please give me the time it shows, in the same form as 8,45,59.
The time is 10,54,44
